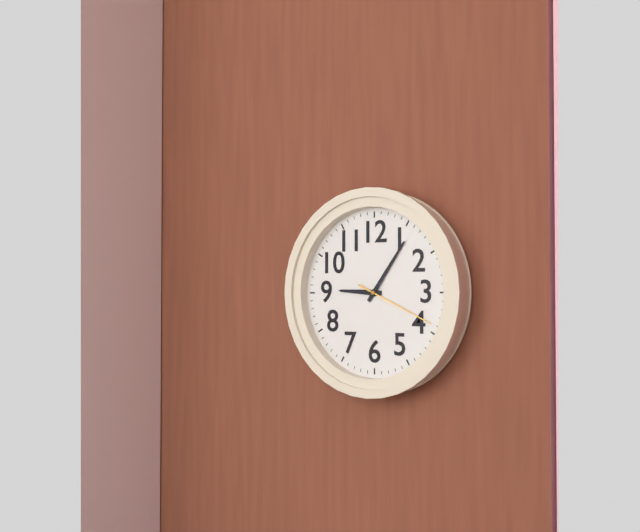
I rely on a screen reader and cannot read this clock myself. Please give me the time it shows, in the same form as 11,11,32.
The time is 9,06,19
